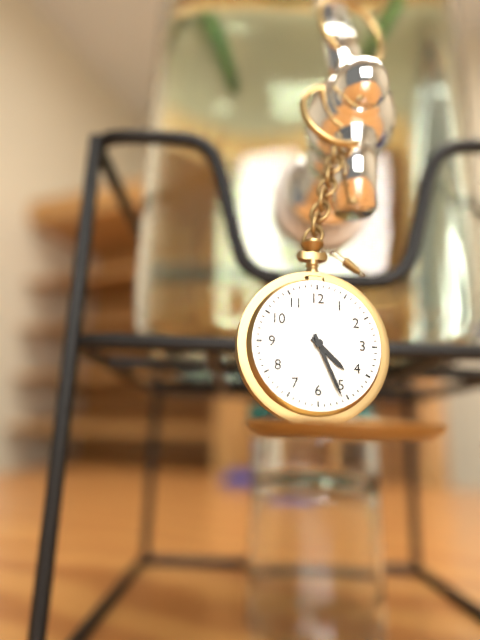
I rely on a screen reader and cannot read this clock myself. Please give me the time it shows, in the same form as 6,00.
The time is 4,26
